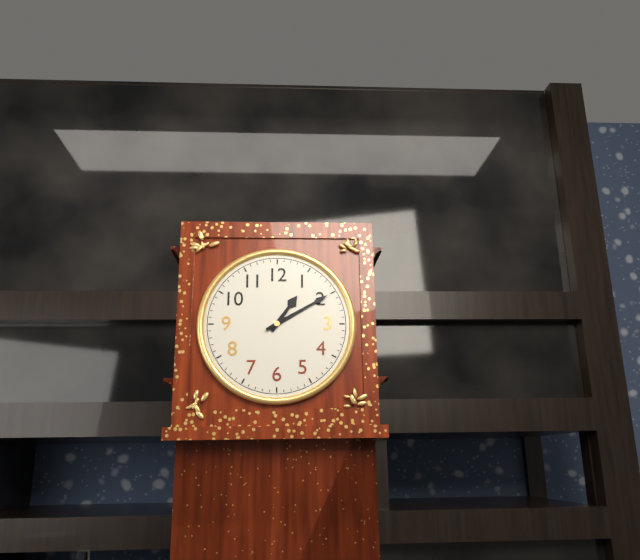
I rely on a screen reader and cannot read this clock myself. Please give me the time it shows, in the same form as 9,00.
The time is 1,10
